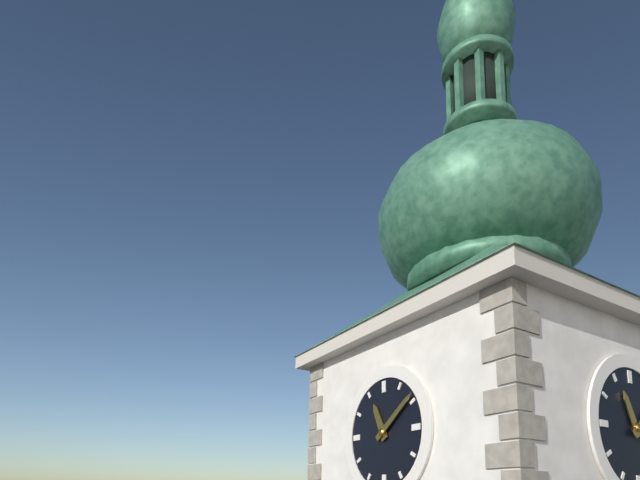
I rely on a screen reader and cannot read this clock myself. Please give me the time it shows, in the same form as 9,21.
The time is 11,09
